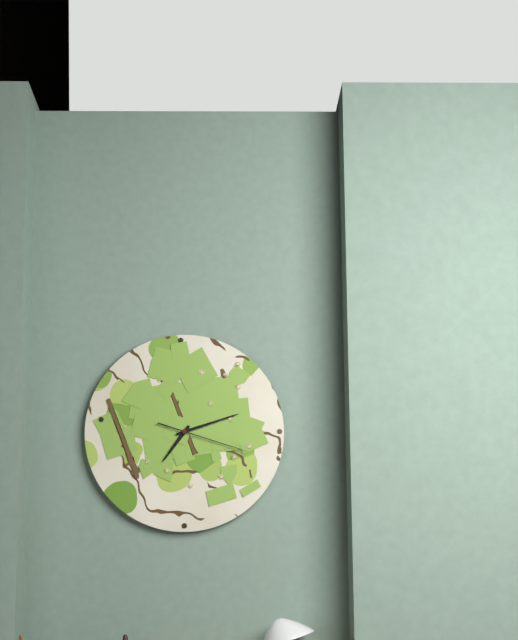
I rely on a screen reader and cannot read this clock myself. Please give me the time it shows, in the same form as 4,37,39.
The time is 7,12,18
